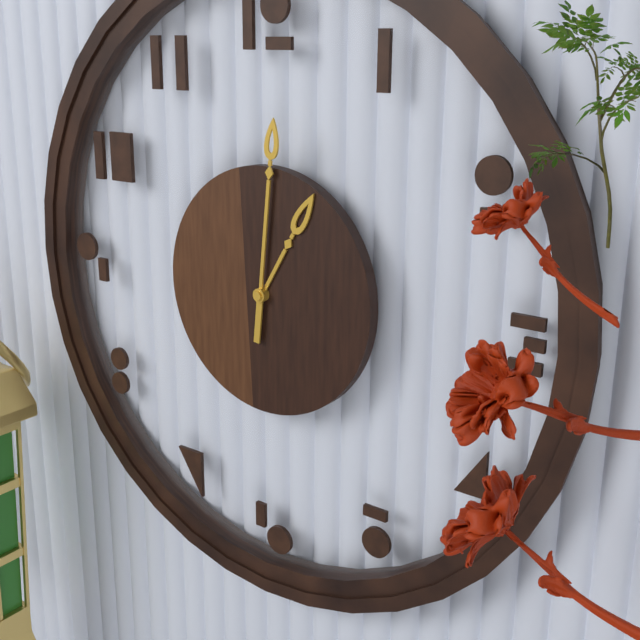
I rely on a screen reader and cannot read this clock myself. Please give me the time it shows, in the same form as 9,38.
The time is 1,01
